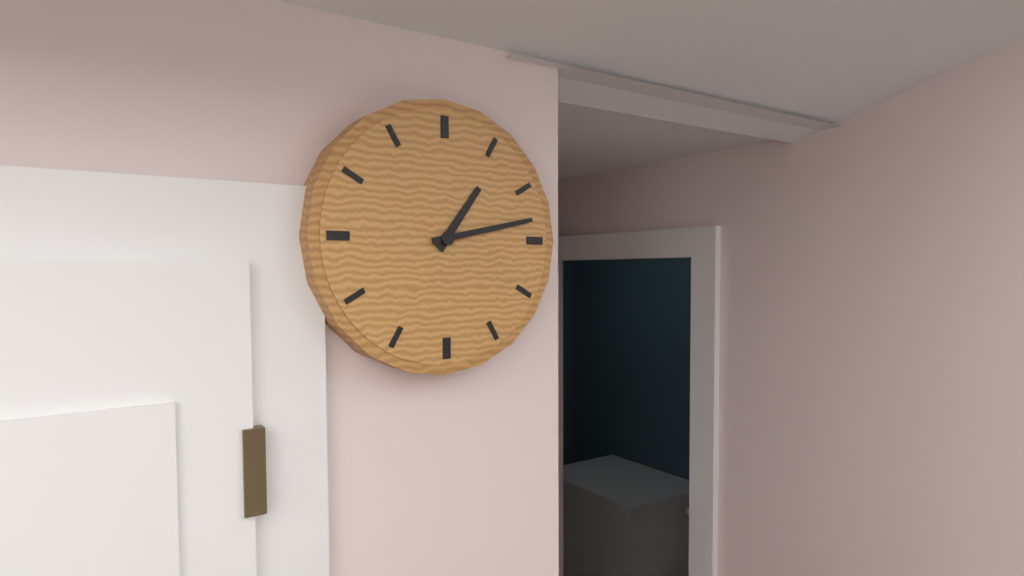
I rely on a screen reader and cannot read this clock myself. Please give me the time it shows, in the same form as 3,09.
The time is 1,13
